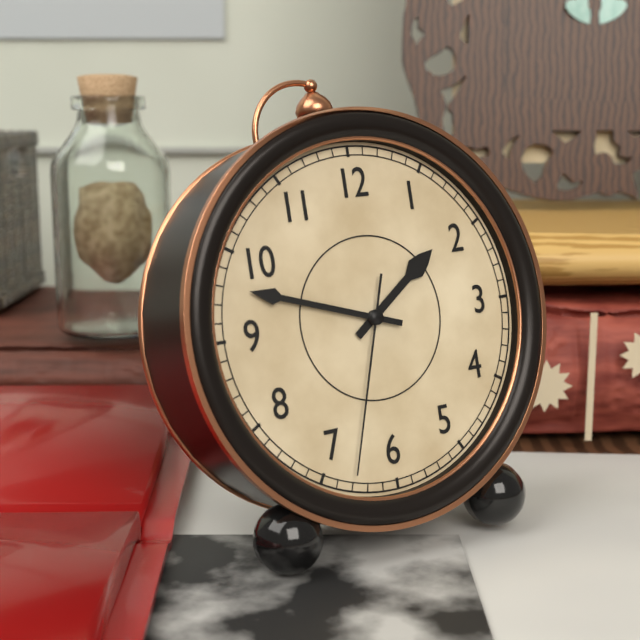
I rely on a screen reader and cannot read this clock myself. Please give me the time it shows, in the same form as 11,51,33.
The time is 1,48,33
